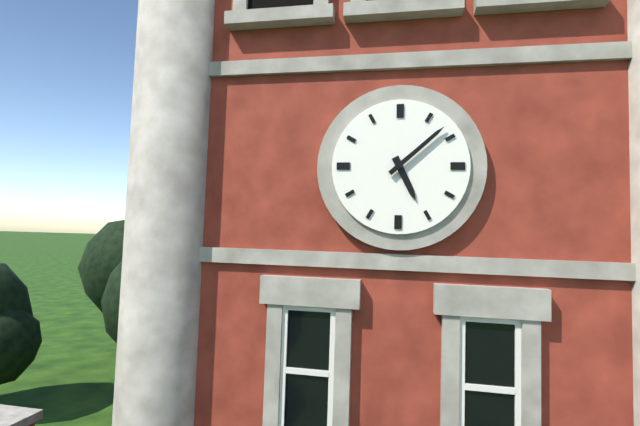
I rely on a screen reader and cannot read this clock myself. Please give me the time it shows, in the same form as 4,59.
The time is 5,08
